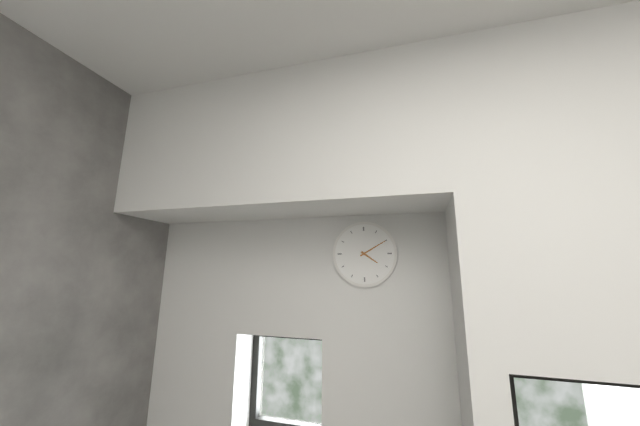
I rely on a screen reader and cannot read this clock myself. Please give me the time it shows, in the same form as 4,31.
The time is 4,10
